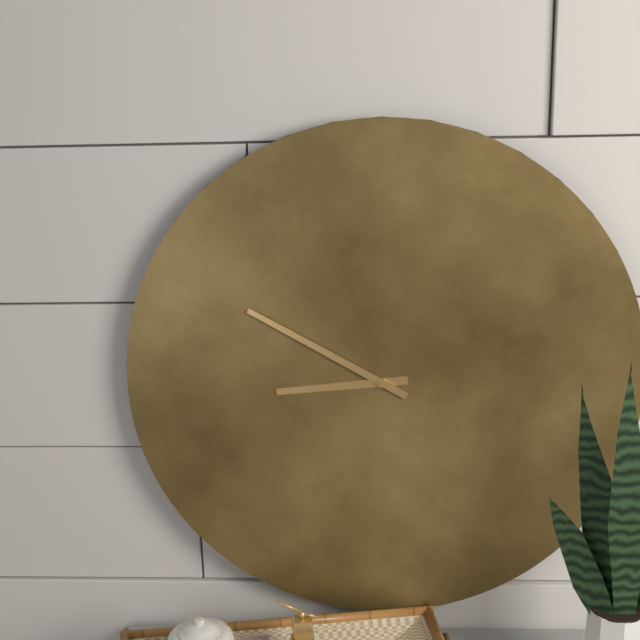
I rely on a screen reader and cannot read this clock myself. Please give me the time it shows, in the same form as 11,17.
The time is 8,50
